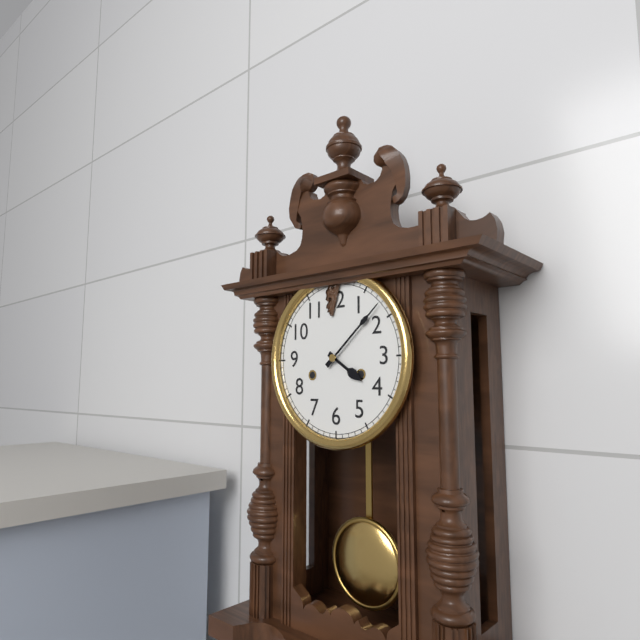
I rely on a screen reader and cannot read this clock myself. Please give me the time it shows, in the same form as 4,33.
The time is 4,08
